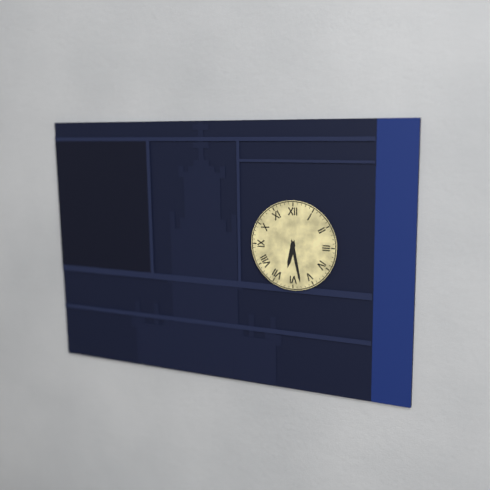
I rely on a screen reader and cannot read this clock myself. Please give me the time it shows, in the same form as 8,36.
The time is 6,28
